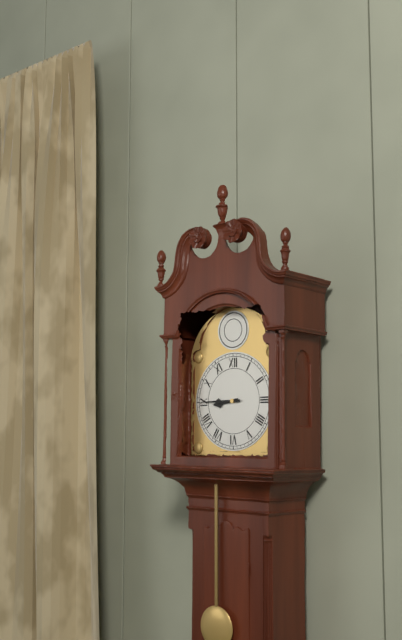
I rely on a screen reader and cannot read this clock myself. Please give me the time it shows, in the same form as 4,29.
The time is 8,45
